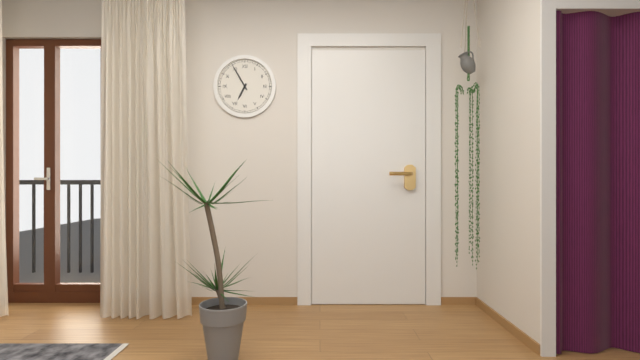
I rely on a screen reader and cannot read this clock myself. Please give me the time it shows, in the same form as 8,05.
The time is 6,55
